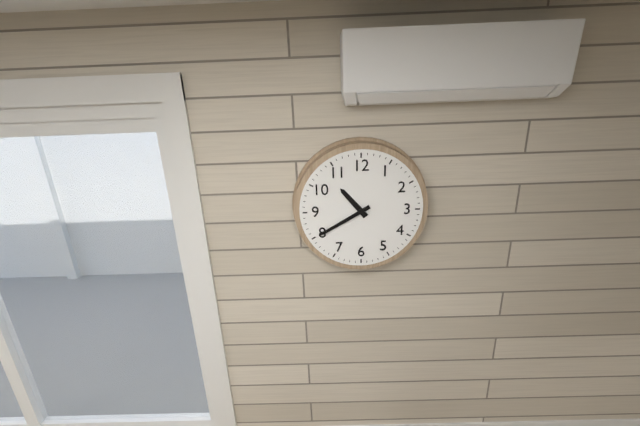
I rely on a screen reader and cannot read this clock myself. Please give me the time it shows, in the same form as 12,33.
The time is 10,40
